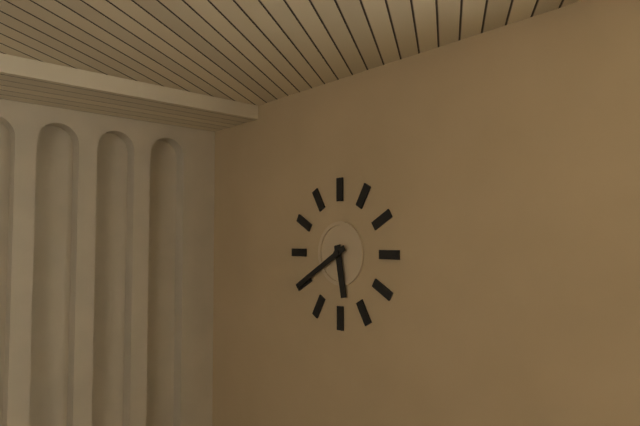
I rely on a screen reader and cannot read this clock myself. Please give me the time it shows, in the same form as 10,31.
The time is 5,40
